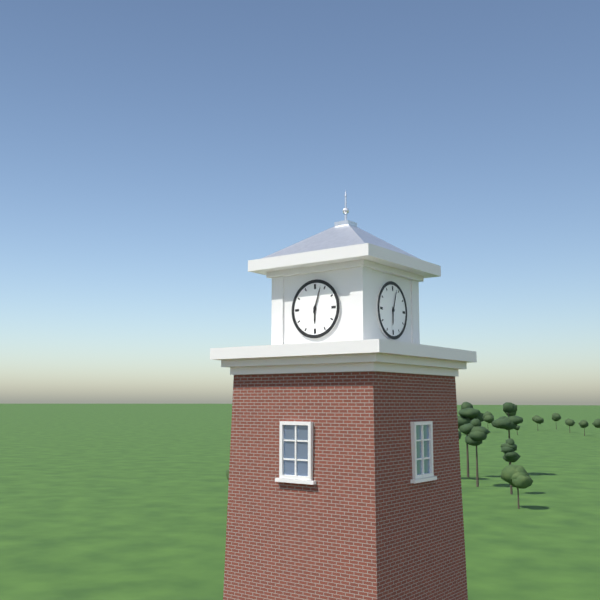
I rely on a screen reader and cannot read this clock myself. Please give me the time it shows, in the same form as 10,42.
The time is 6,03
